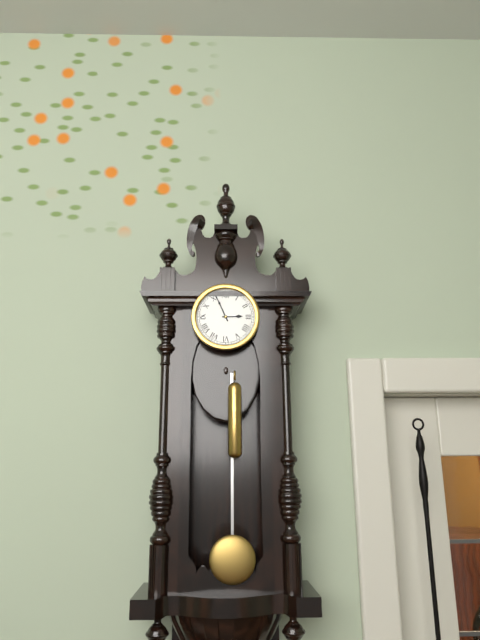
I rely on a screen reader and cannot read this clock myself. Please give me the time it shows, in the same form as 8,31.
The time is 2,56
